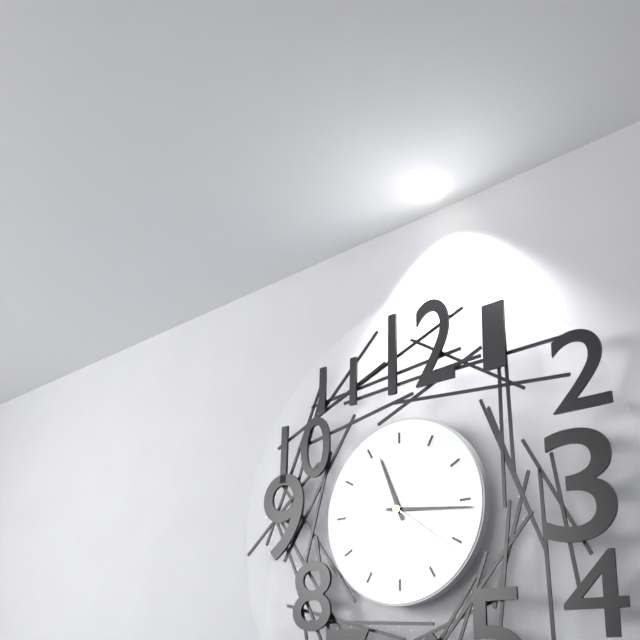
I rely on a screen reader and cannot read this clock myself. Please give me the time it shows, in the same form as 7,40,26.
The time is 11,16,21
